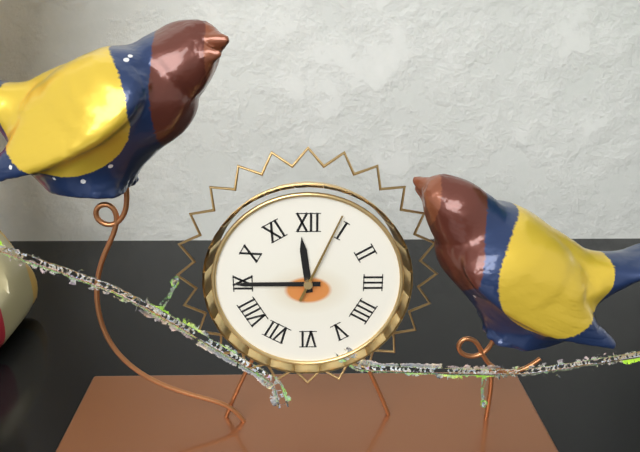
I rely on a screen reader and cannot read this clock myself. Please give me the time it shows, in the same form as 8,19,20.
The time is 11,45,04
